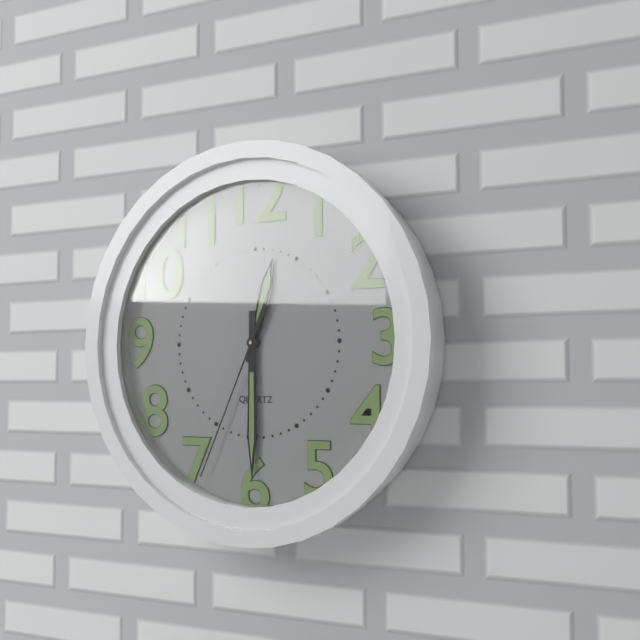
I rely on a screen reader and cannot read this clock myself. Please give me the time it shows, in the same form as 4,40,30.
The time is 12,30,34
